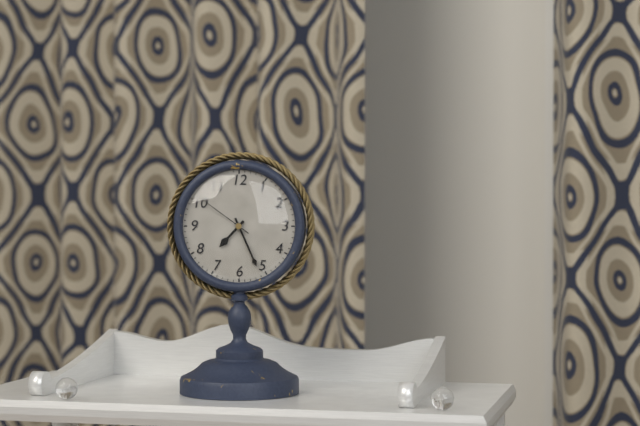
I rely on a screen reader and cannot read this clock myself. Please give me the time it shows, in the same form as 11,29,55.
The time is 7,26,51
